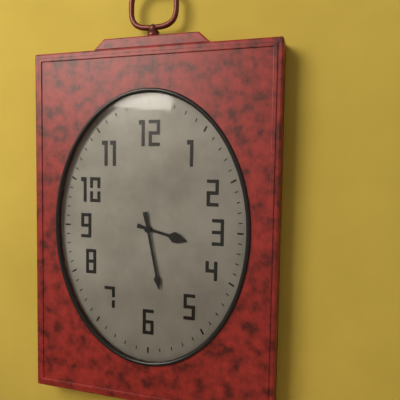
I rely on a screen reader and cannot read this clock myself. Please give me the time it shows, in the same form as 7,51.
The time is 3,28
